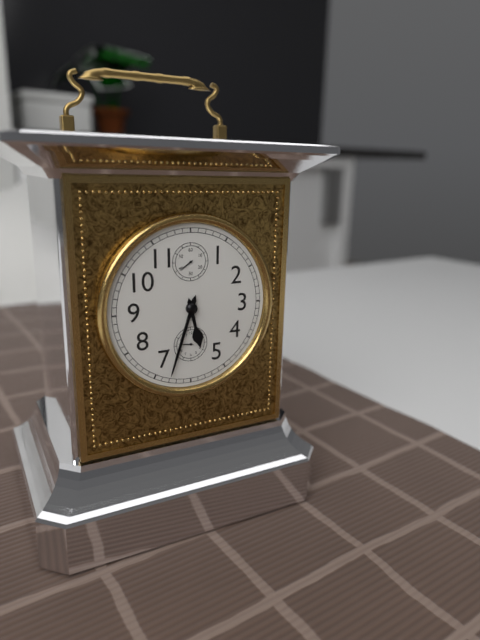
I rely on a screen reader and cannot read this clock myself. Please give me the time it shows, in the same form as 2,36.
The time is 5,33
